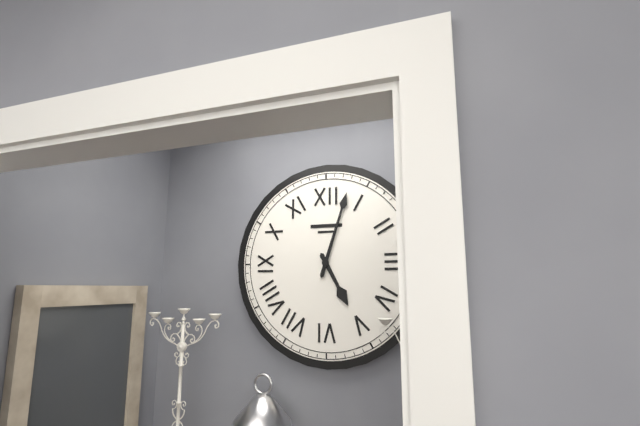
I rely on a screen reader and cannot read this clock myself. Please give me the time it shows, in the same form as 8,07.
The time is 5,03
